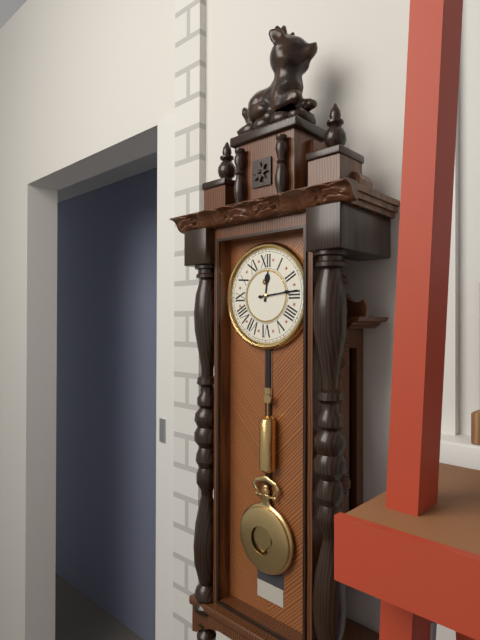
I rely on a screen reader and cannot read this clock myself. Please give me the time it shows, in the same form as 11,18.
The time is 12,14
